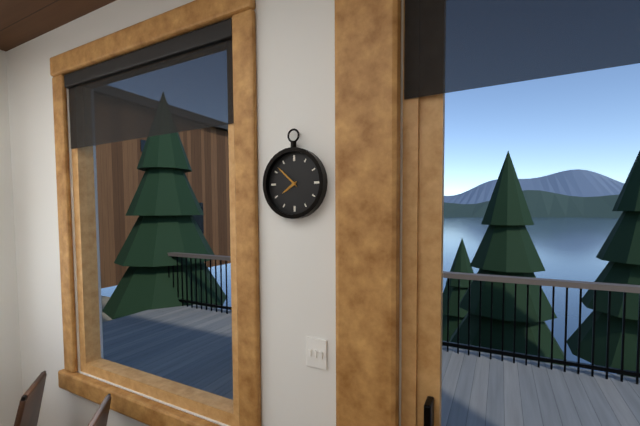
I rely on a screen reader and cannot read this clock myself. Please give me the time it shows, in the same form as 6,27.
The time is 7,52
